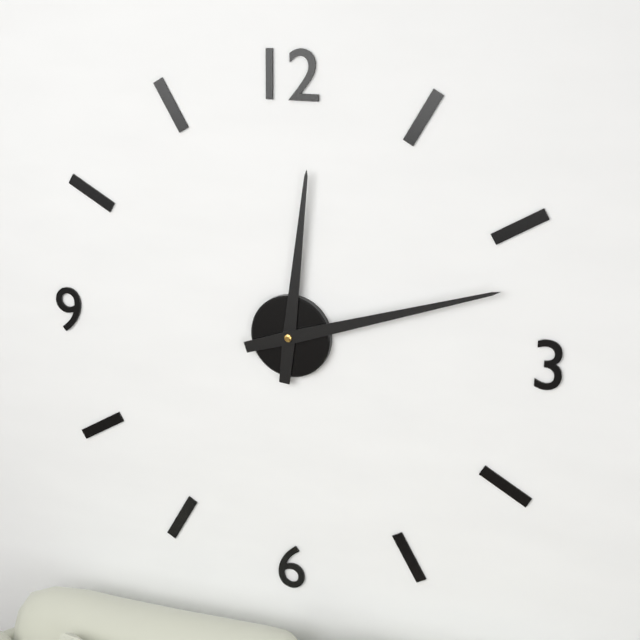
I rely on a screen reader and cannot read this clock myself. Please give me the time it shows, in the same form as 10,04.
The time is 12,12
